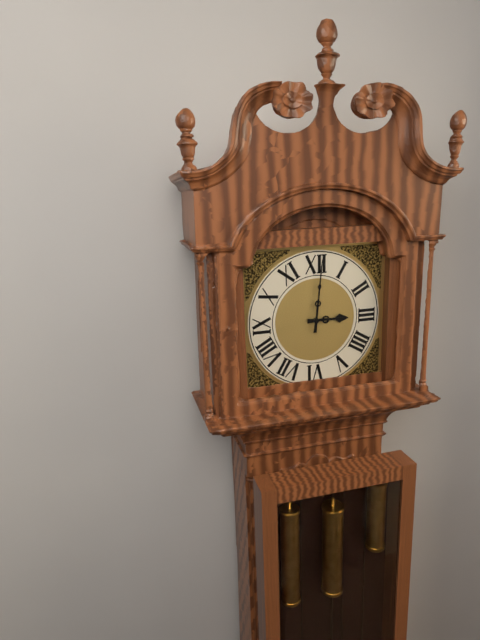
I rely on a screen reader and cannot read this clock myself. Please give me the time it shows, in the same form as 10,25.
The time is 3,01
